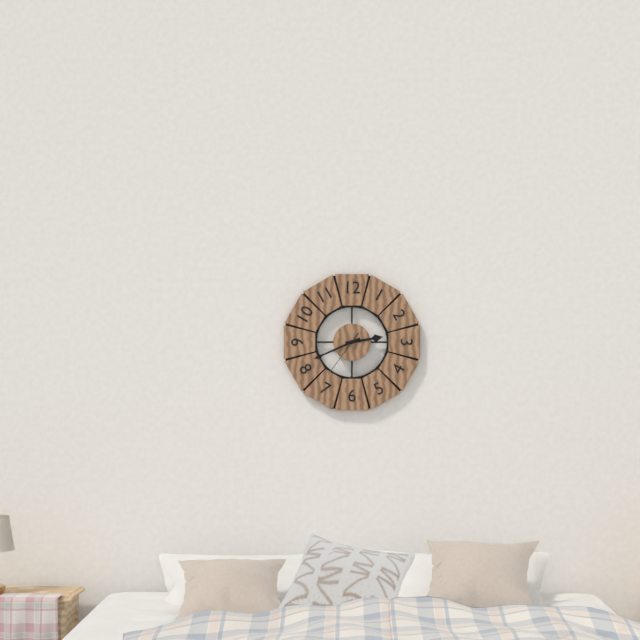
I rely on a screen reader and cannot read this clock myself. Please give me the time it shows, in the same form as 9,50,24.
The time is 2,41,36
